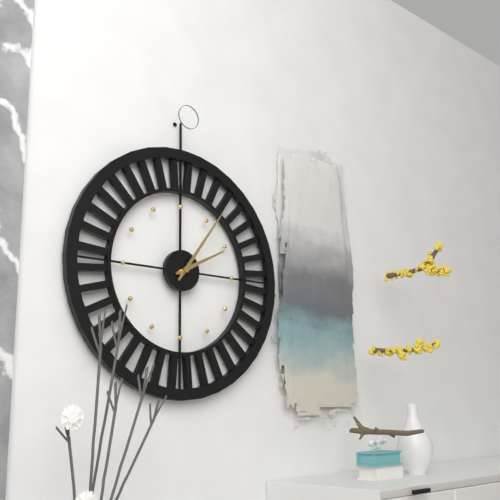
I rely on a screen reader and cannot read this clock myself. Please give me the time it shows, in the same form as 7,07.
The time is 2,06
